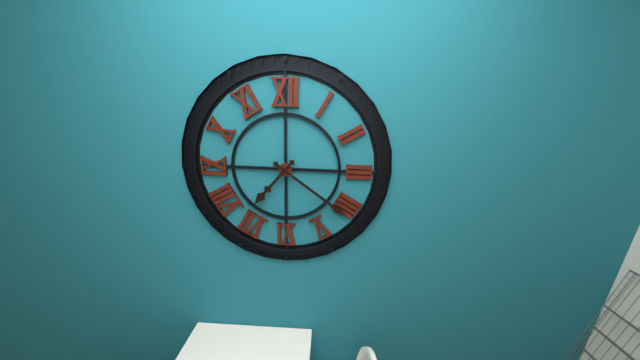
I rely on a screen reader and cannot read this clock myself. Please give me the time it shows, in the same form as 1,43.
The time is 7,21
